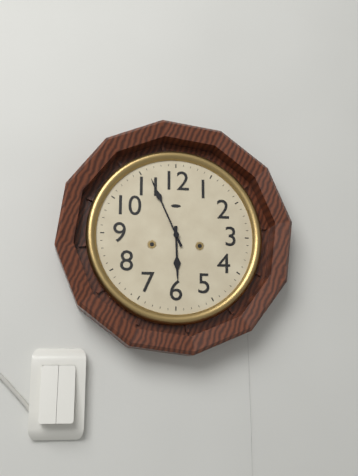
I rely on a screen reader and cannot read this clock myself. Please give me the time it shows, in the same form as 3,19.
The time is 5,56
